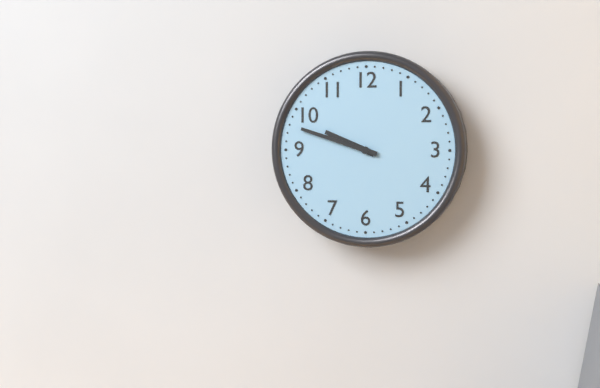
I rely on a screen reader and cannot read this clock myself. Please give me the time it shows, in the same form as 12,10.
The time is 9,48
